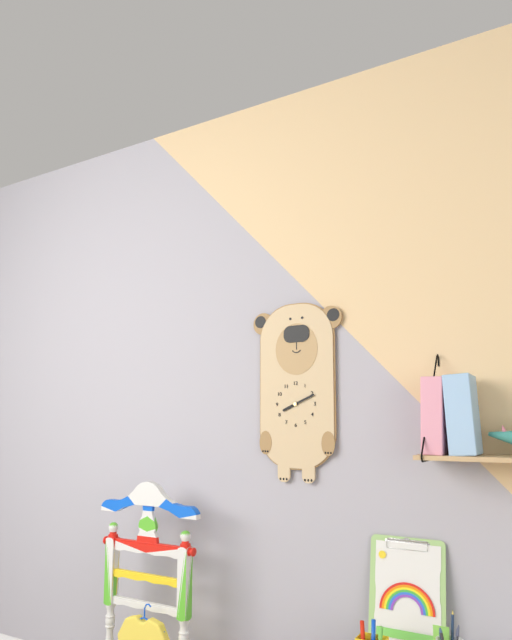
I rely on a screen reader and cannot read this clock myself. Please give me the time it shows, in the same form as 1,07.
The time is 8,11
